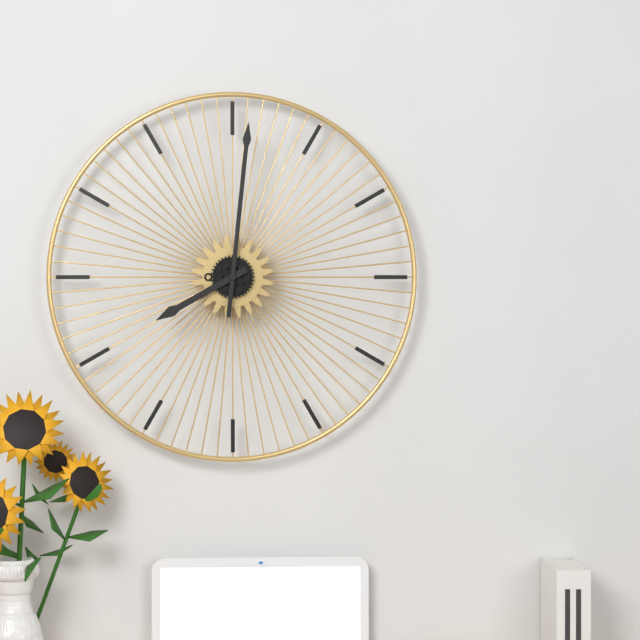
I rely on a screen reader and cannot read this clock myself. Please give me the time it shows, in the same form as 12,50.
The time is 8,01
